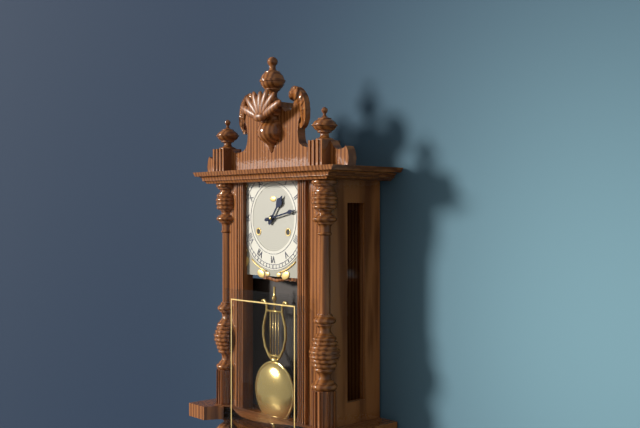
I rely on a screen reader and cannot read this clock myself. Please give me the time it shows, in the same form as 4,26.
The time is 1,13
